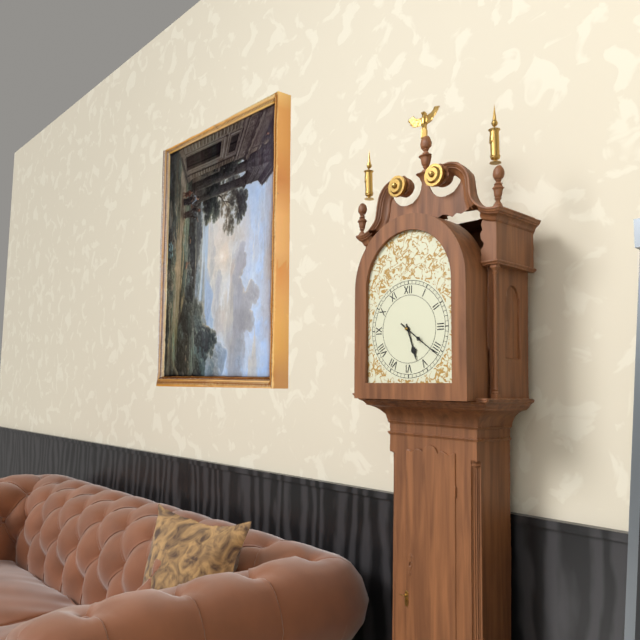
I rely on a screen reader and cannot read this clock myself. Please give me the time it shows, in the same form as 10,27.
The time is 5,21
